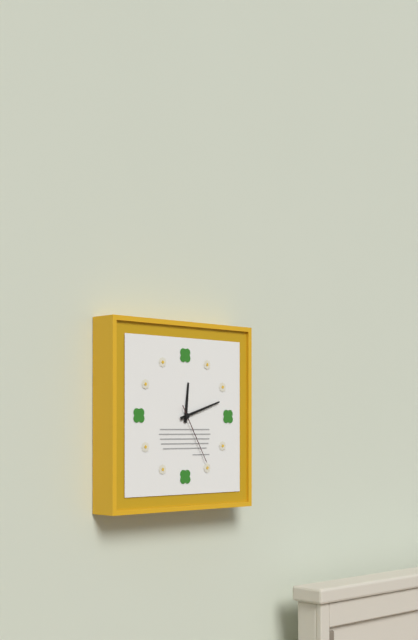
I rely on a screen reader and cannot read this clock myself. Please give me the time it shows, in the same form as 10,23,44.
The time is 12,12,25
